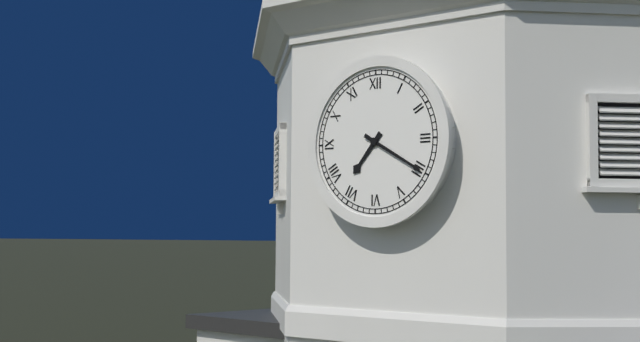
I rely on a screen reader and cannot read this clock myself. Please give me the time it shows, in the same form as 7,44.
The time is 7,20
